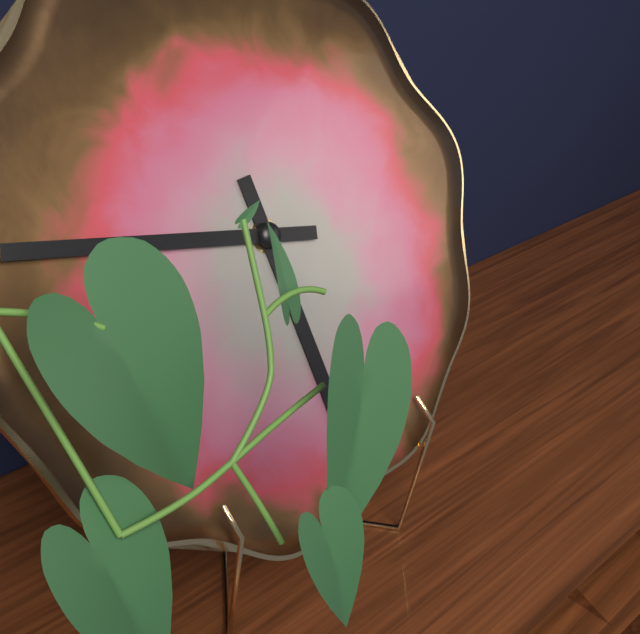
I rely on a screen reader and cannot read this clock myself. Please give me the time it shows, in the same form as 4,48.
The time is 5,47
